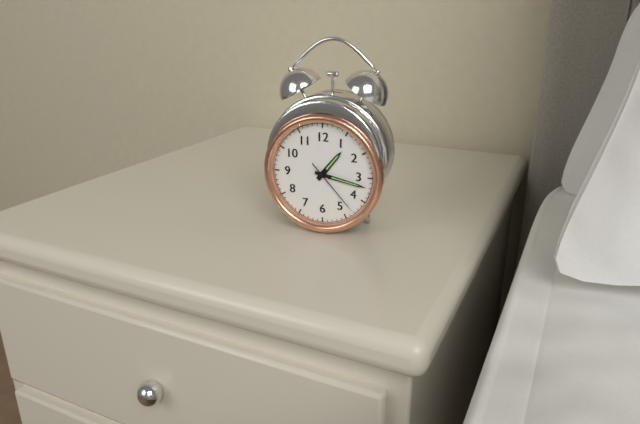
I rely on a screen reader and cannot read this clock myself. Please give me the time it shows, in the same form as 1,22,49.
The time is 1,17,23
